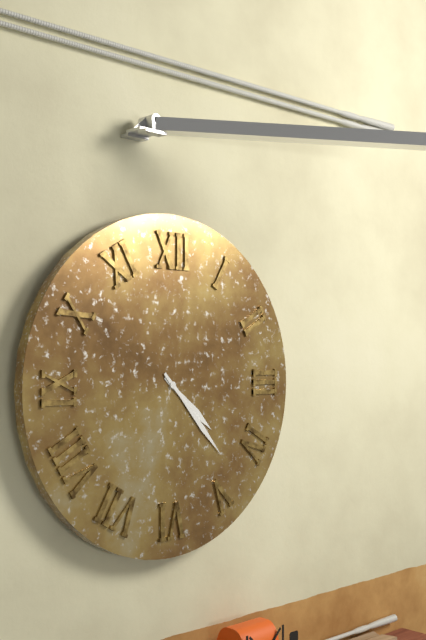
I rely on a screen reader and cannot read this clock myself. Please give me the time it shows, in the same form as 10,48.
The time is 4,23
